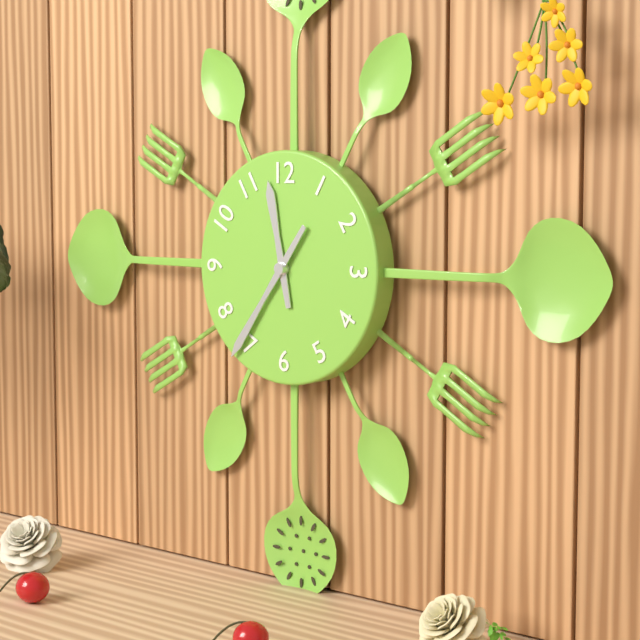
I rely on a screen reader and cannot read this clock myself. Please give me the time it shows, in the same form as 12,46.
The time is 11,36
